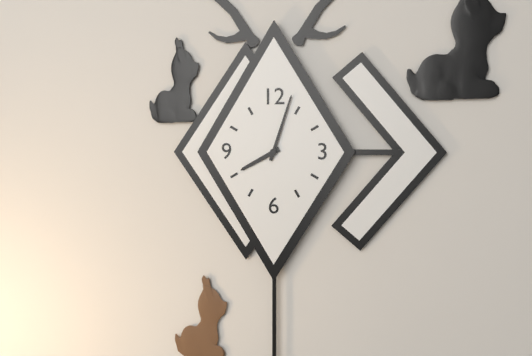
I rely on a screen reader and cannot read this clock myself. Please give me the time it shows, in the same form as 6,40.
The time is 8,03
